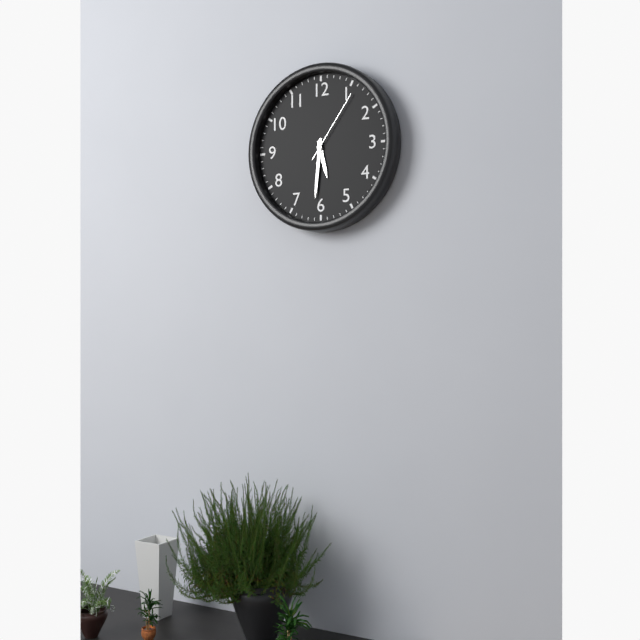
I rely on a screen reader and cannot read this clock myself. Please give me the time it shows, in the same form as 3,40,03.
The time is 5,31,06
